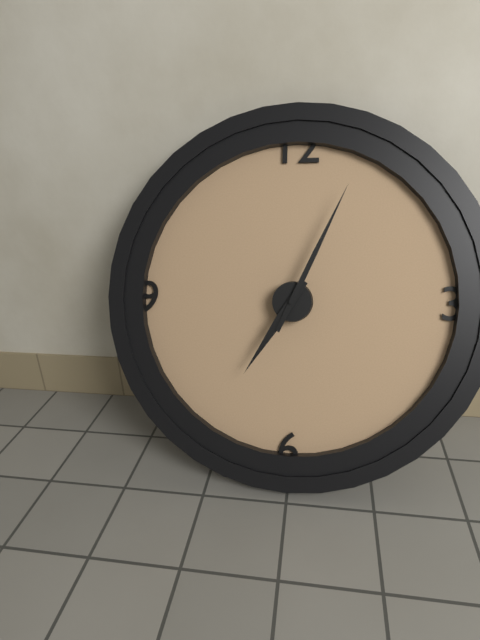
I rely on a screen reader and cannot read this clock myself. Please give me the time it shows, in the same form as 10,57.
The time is 7,04
